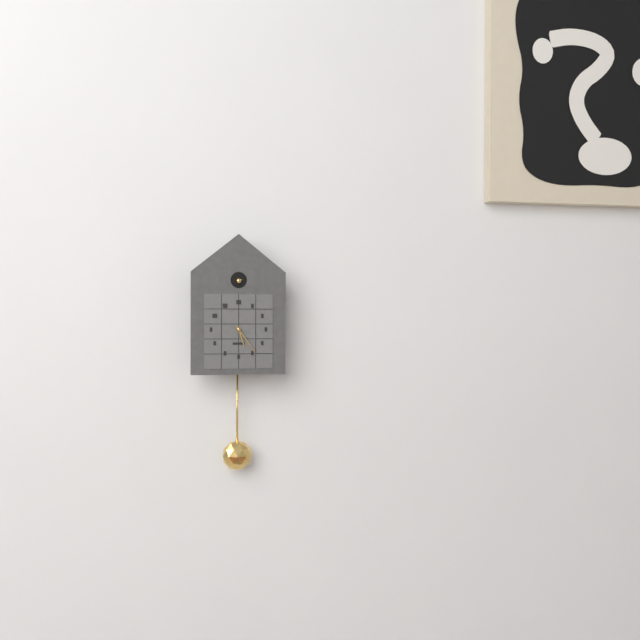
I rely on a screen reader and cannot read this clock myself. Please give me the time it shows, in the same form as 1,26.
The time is 5,24
